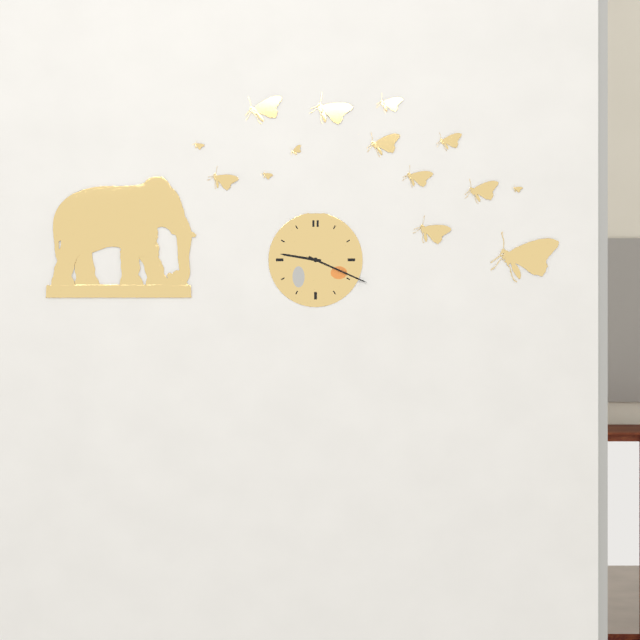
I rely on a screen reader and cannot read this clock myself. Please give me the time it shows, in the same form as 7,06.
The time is 9,19
